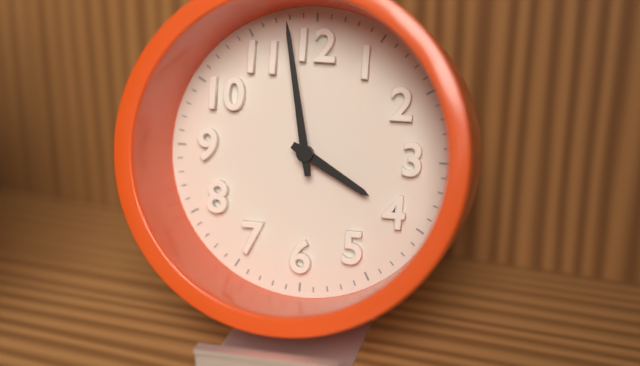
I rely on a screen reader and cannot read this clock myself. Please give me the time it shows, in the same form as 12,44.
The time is 3,58
